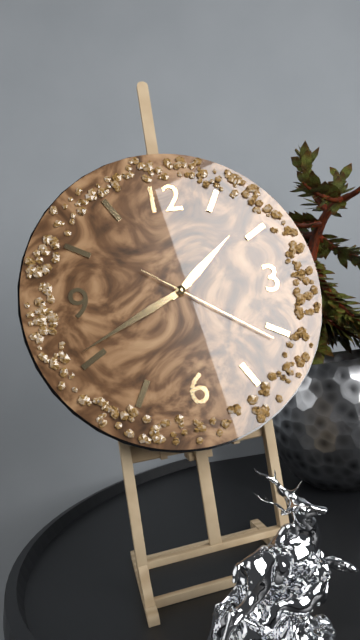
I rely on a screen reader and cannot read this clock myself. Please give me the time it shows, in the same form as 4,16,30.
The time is 1,41,21
